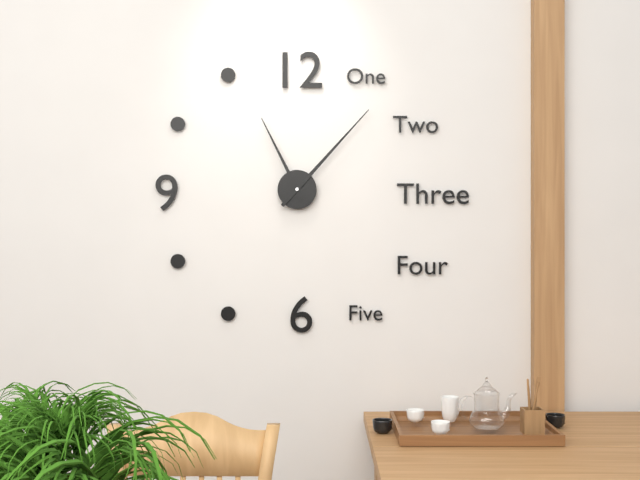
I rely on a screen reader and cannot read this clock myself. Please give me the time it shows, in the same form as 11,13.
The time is 11,07
